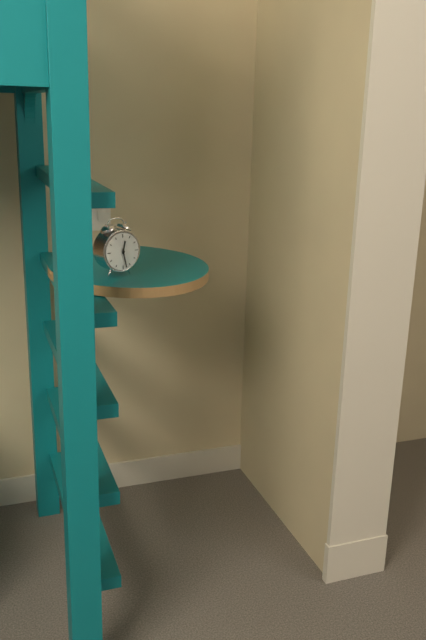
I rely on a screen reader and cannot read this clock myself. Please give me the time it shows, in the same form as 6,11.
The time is 12,28
